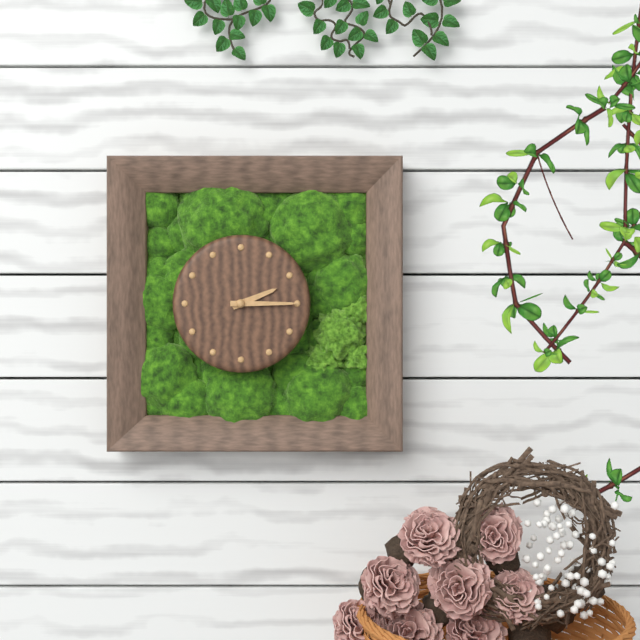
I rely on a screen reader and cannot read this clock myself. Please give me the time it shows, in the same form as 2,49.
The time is 2,15
